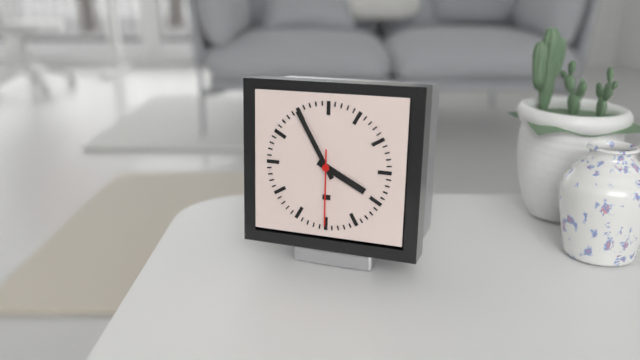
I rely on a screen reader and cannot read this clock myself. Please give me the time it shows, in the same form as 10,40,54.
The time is 3,55,30
